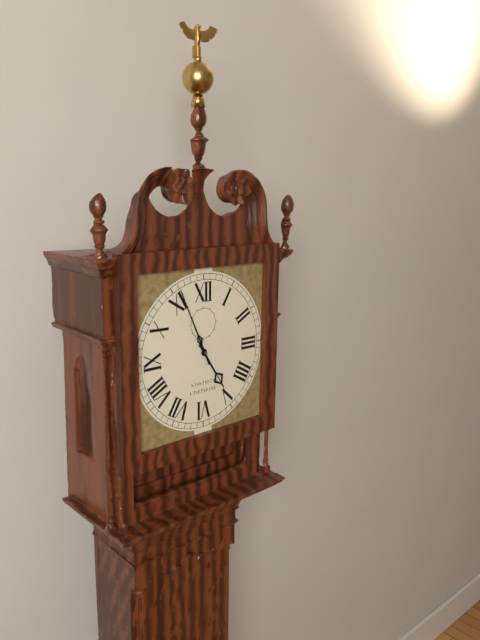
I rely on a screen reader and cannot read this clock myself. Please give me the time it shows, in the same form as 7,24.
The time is 4,56
